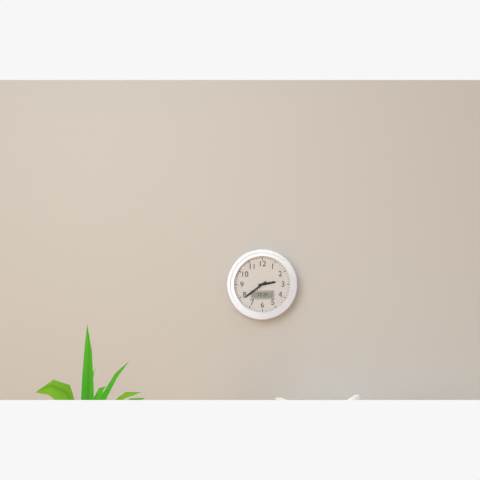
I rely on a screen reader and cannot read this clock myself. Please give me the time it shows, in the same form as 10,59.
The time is 2,39
